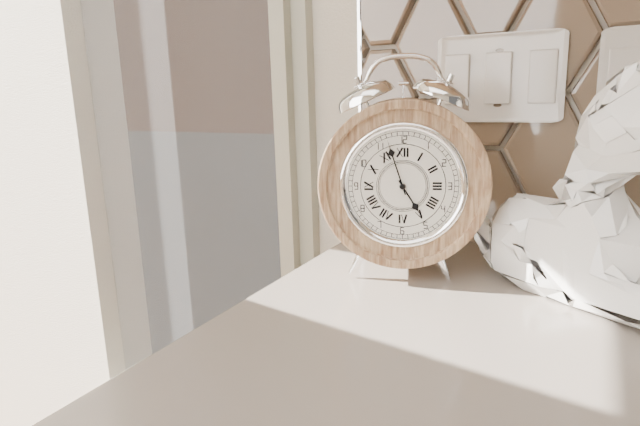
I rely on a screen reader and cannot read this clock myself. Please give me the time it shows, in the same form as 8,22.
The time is 4,57
